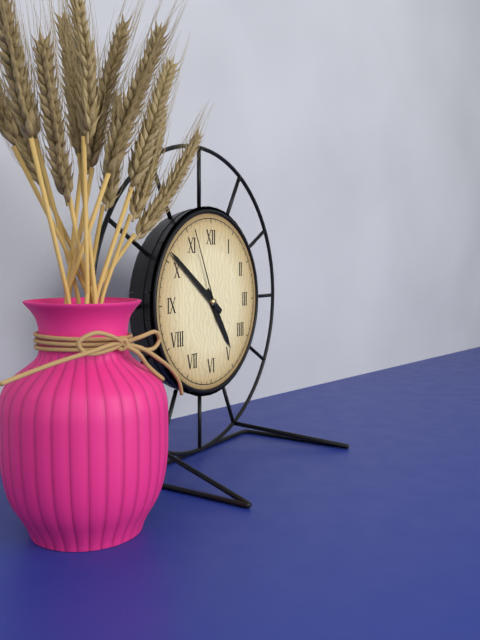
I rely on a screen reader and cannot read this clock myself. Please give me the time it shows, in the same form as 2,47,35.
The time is 4,51,56
